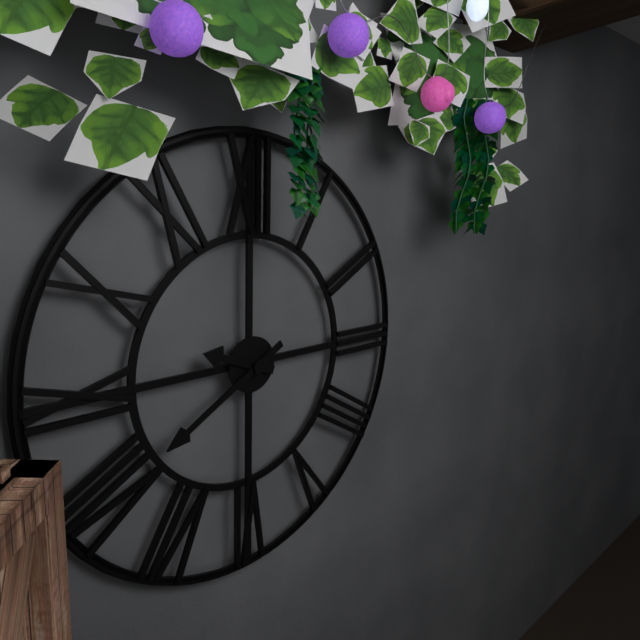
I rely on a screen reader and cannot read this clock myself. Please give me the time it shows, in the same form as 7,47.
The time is 9,40
